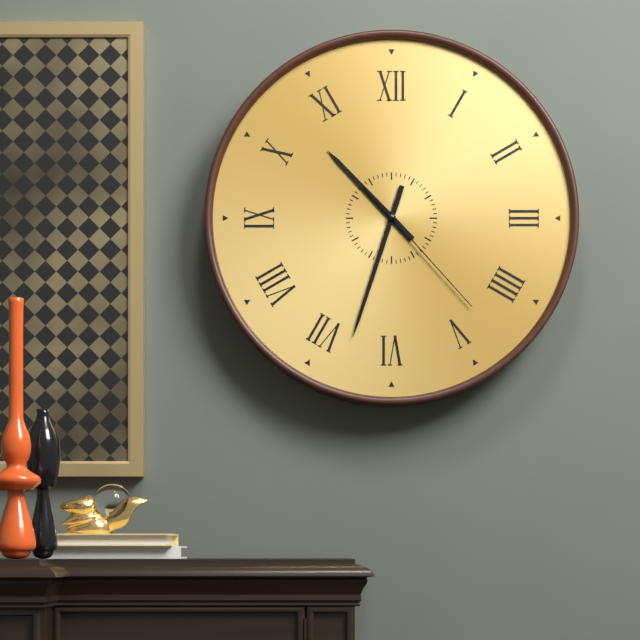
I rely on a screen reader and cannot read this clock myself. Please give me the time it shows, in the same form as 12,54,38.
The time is 10,33,23
